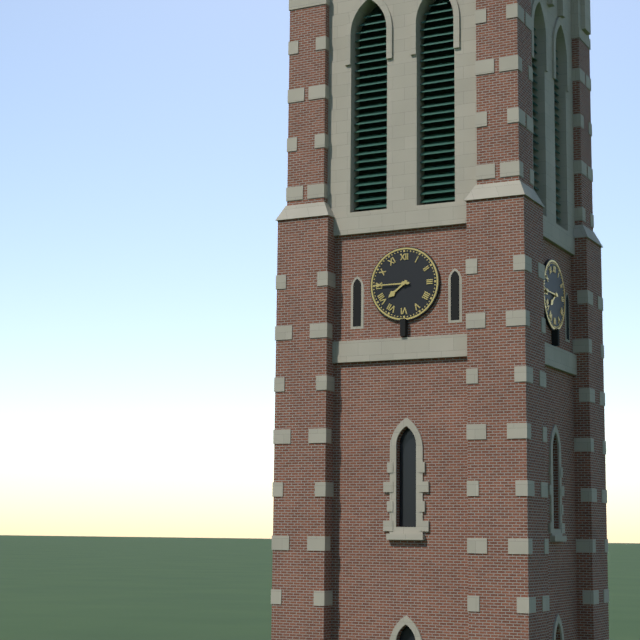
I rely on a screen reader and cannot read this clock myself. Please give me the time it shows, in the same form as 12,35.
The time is 7,45
